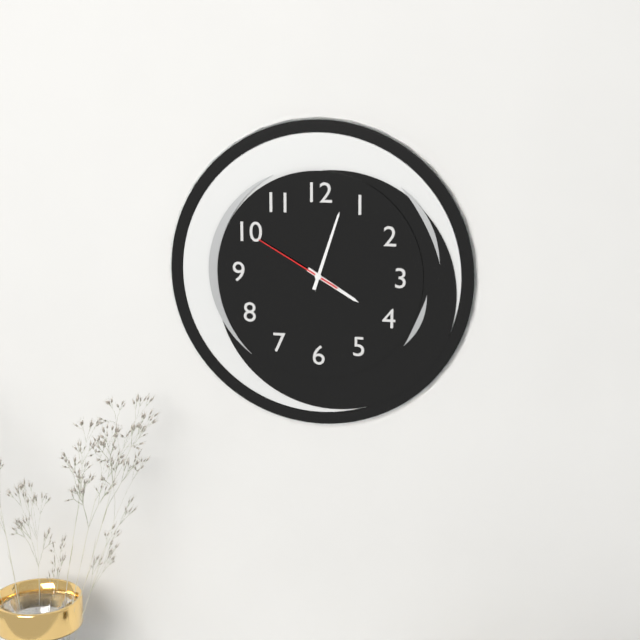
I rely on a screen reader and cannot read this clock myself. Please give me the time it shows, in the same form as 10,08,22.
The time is 4,03,50
